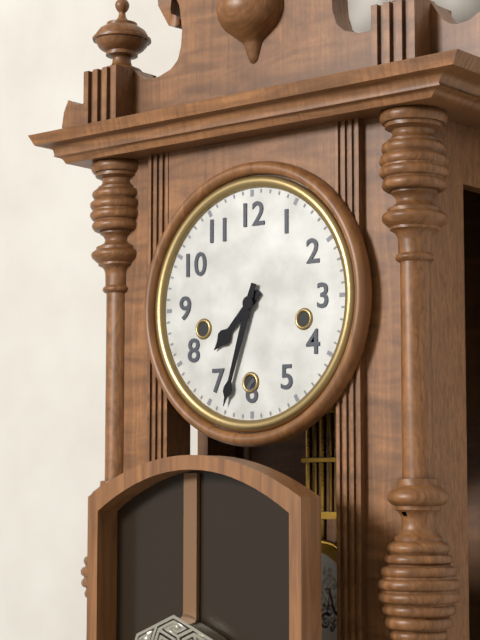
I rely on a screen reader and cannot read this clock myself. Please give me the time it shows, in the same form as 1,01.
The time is 7,33
